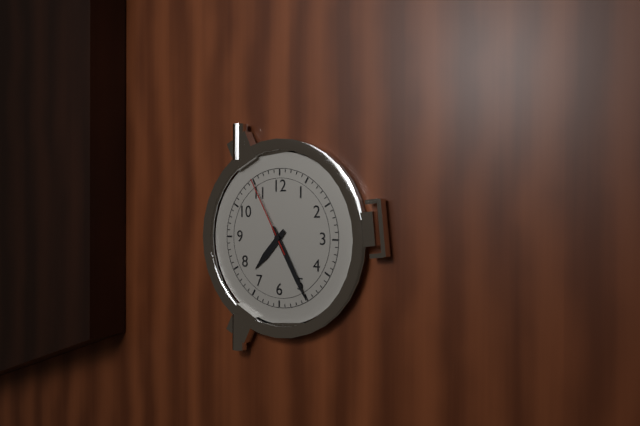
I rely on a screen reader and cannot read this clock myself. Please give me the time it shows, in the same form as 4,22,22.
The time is 7,25,55
